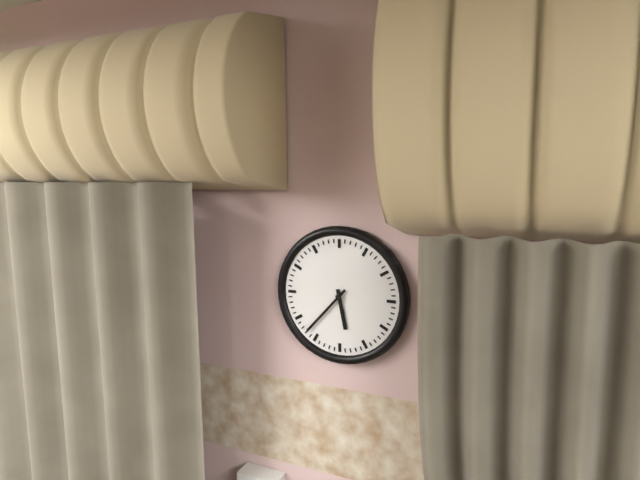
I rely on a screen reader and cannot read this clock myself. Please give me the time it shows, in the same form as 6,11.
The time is 5,37
